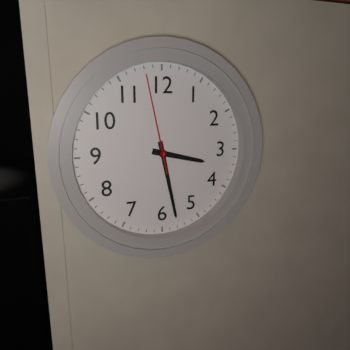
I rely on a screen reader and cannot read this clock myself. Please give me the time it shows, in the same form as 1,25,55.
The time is 3,28,58
